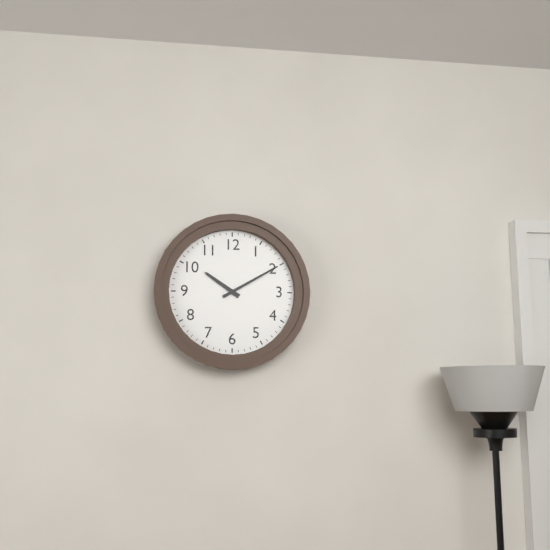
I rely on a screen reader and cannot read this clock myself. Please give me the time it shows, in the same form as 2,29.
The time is 10,10
